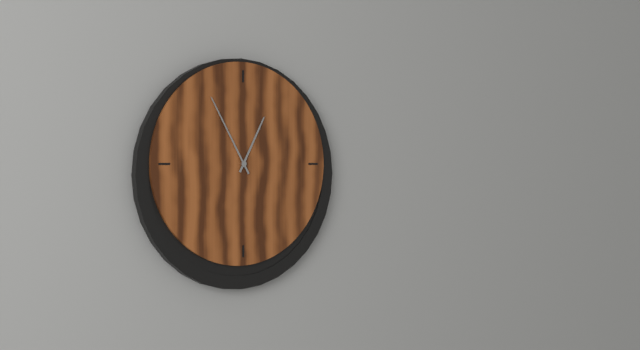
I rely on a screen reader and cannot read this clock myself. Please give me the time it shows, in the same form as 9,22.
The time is 12,55
